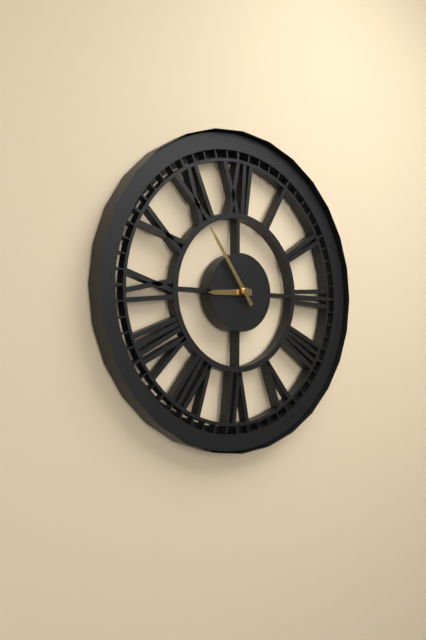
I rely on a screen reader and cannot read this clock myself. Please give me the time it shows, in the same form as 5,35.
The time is 8,54
